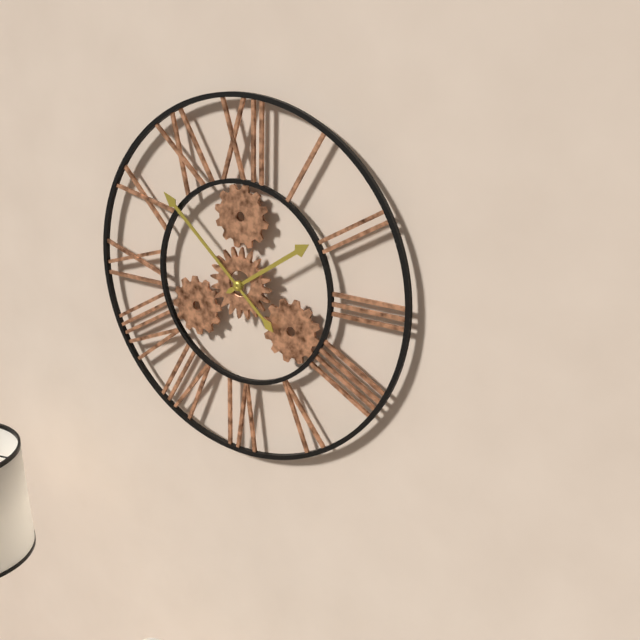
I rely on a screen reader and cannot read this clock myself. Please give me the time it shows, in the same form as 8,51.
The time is 1,52
